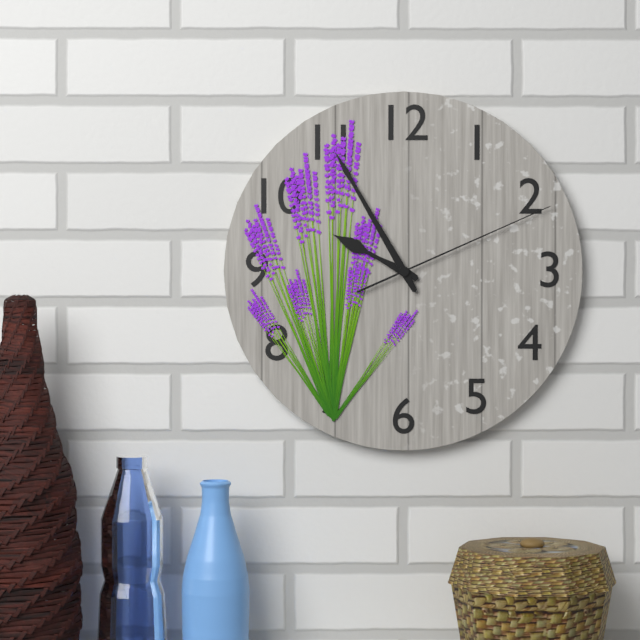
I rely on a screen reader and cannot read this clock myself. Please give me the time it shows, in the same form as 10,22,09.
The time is 9,55,11
